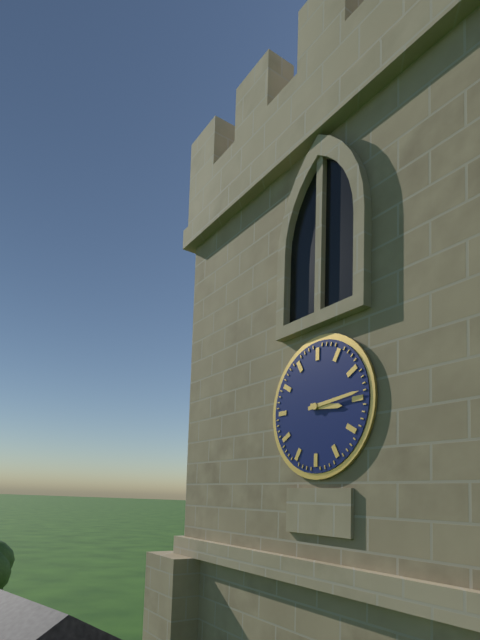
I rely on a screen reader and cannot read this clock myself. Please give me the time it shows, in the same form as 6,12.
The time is 3,14
